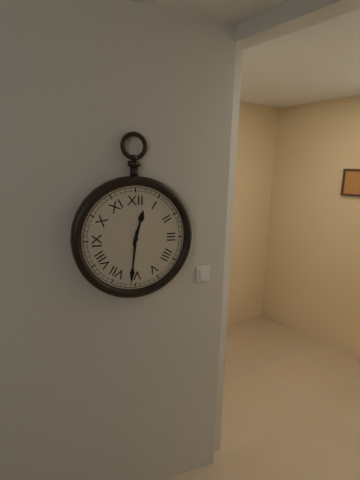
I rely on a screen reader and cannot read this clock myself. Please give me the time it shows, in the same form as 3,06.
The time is 12,31
